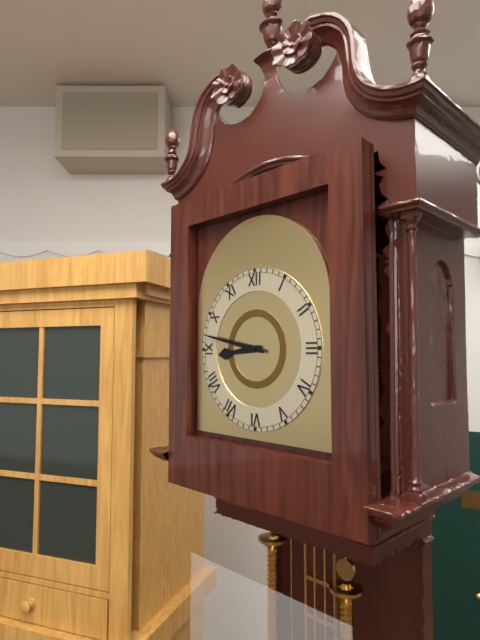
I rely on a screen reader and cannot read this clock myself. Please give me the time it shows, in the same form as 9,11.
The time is 8,47
